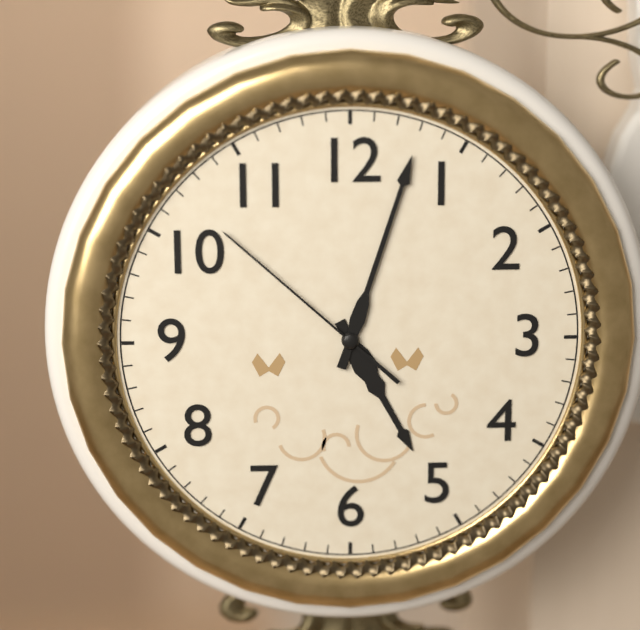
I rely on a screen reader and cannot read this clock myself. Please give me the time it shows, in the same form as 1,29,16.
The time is 5,03,52
